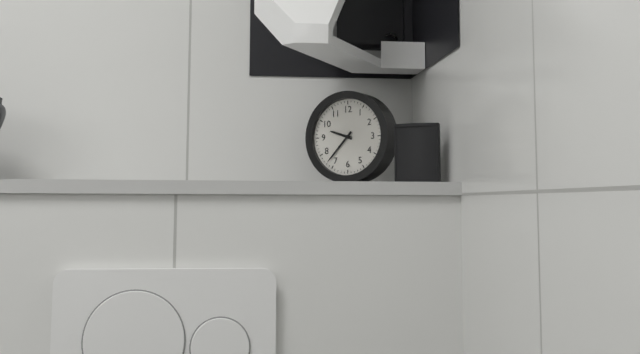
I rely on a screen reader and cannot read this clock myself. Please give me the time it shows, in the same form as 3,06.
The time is 9,37
